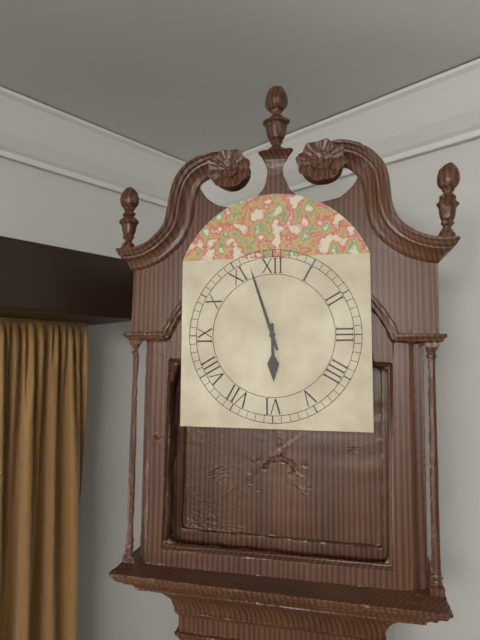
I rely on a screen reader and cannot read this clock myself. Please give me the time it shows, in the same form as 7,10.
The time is 5,57
